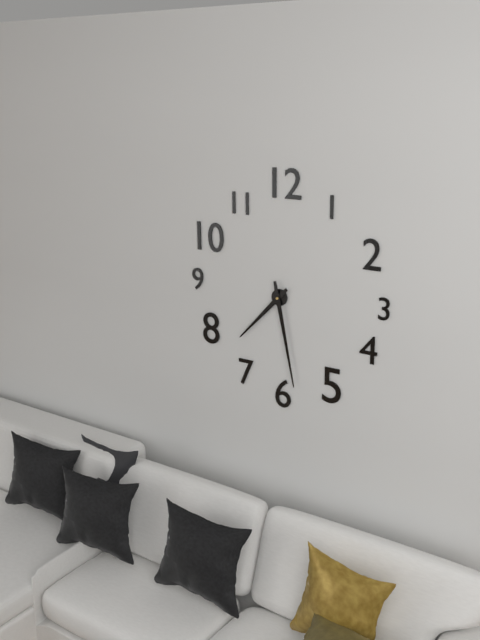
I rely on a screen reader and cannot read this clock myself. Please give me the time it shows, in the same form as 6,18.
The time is 7,28
